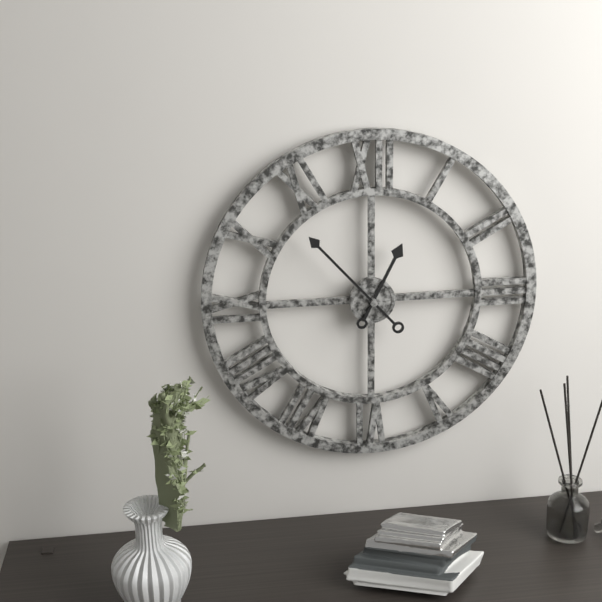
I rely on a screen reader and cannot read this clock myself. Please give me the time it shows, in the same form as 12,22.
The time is 12,53
